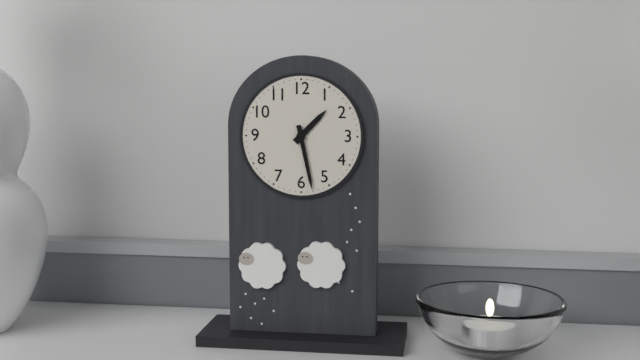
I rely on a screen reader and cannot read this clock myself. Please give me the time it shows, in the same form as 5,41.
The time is 1,28
